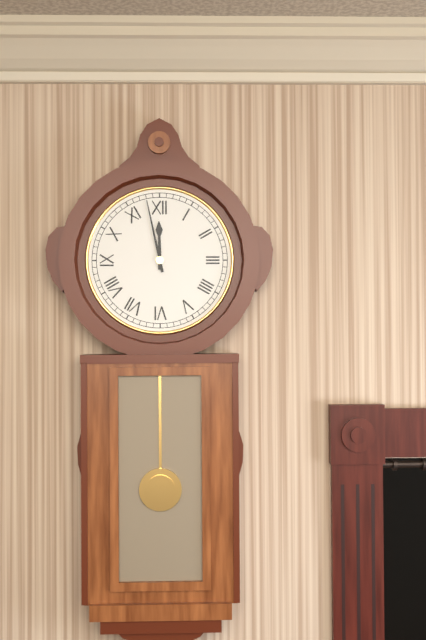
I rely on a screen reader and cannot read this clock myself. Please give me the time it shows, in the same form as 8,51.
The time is 11,58
